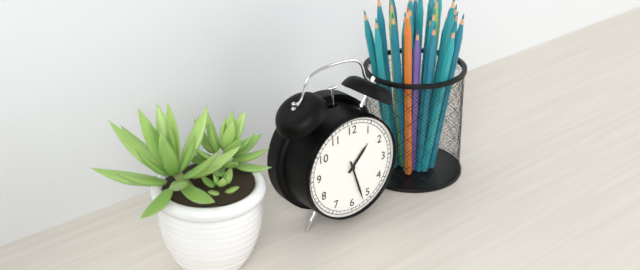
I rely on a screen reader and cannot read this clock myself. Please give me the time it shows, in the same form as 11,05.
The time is 1,27
